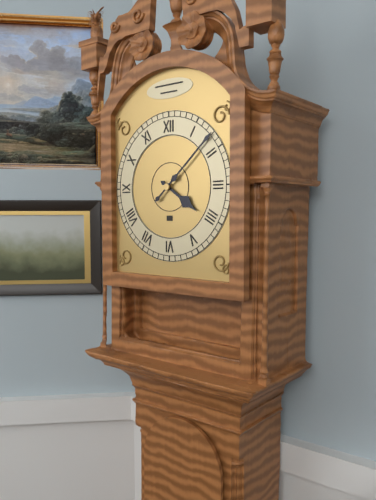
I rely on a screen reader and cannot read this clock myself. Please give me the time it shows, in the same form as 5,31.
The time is 4,08
